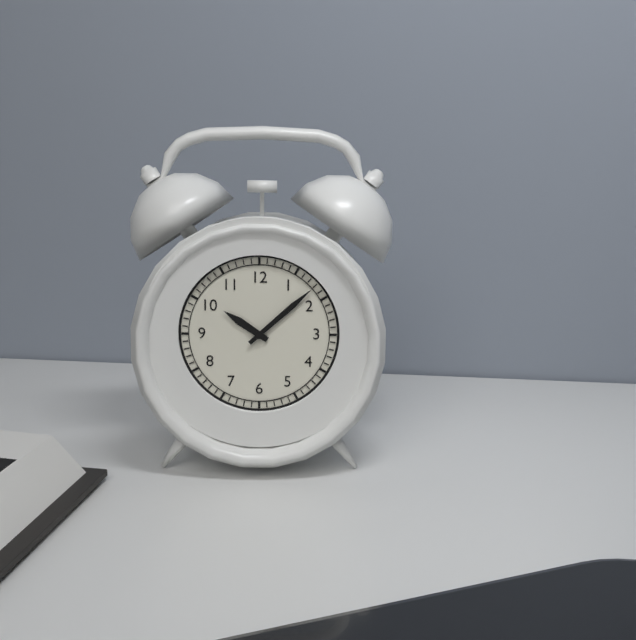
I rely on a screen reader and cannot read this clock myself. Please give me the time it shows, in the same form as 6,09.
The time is 10,08
